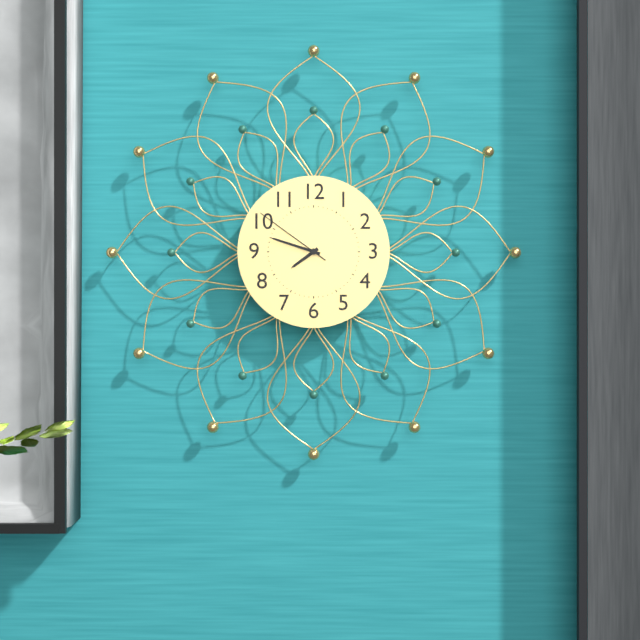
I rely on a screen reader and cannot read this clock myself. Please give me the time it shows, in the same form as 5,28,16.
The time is 7,48,51
